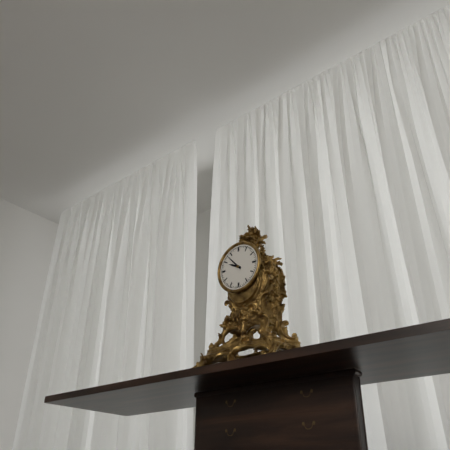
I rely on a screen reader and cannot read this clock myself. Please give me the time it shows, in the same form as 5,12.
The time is 9,53
